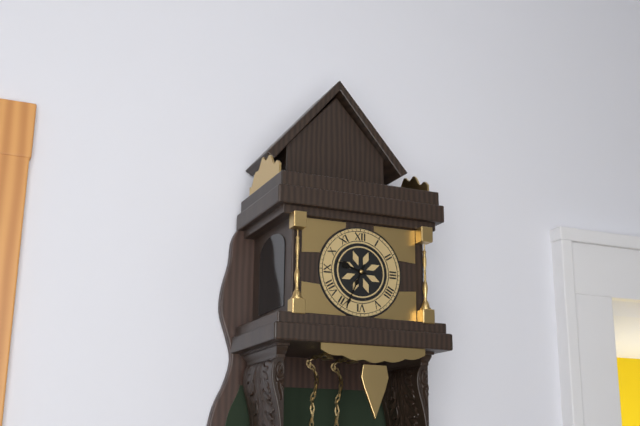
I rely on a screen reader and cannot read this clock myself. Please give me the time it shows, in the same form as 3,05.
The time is 9,34
